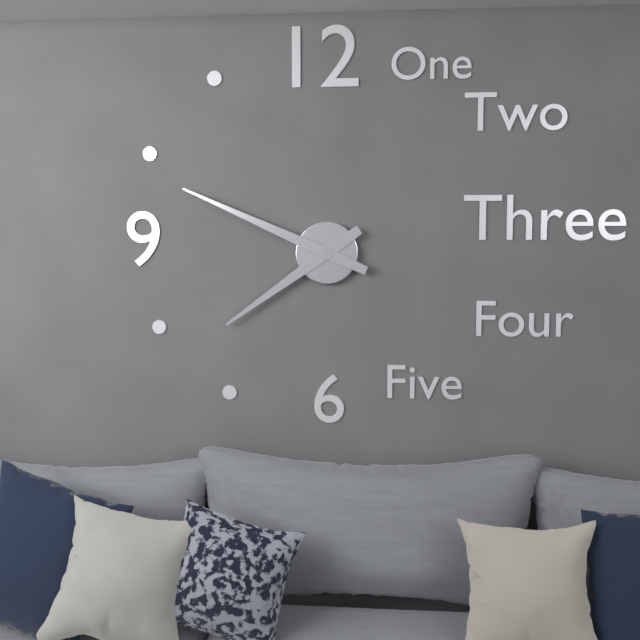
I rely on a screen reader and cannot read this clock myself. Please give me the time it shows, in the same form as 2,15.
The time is 7,49
